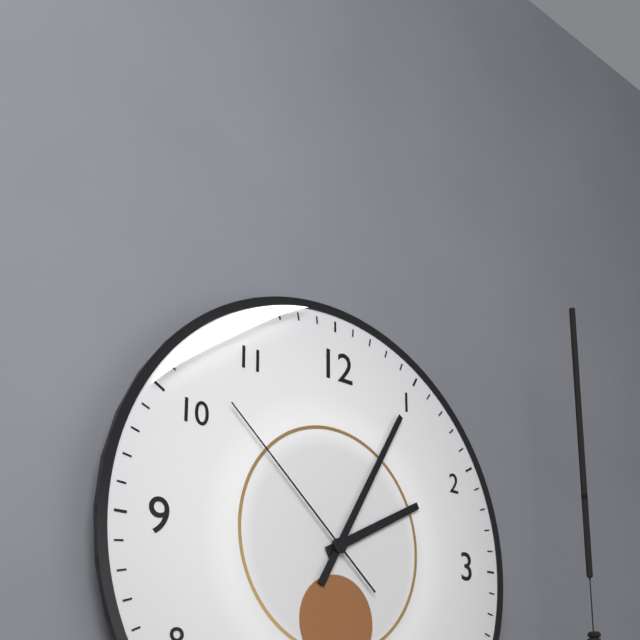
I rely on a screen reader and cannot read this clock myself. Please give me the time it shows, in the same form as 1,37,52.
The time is 2,05,52
